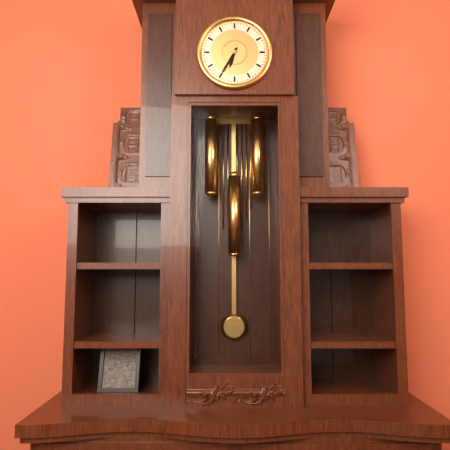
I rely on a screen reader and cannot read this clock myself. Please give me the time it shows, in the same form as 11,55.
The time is 6,35
